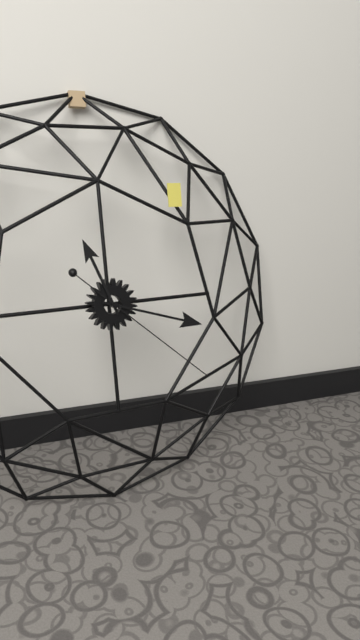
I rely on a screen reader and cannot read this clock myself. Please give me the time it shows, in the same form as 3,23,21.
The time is 11,18,22
